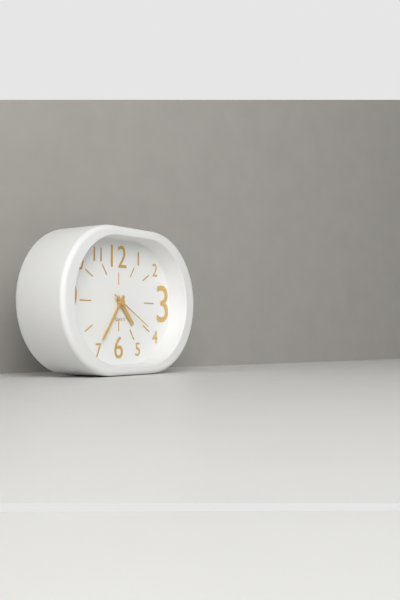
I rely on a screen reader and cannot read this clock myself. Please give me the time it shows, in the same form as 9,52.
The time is 4,36
